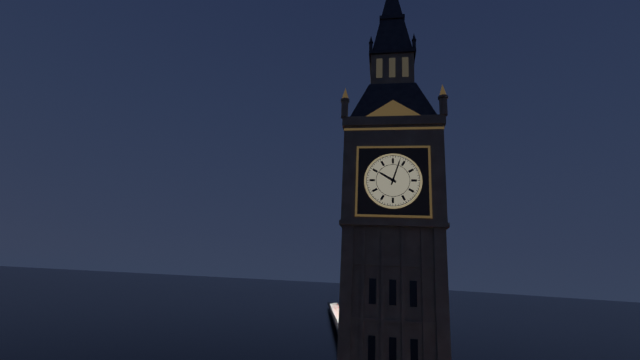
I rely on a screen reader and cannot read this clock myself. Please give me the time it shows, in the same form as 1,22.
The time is 10,03
